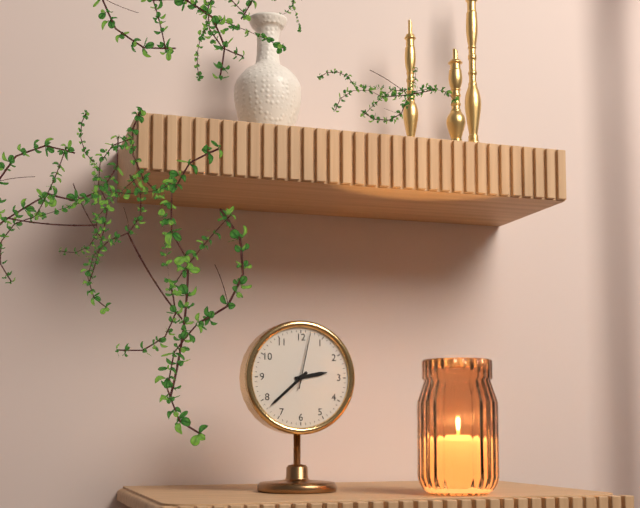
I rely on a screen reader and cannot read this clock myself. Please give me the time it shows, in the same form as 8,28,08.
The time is 2,38,02
